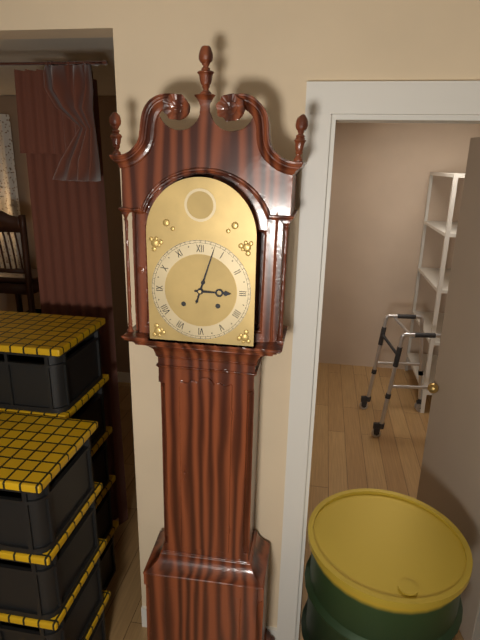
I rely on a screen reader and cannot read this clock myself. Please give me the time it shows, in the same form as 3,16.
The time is 3,03
